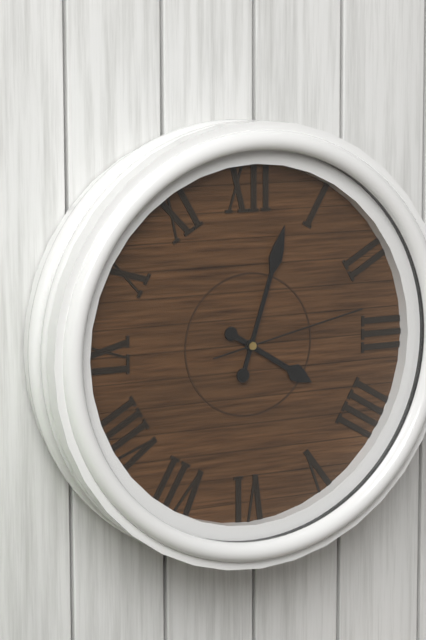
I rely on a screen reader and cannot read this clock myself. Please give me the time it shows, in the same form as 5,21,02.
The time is 4,03,13
